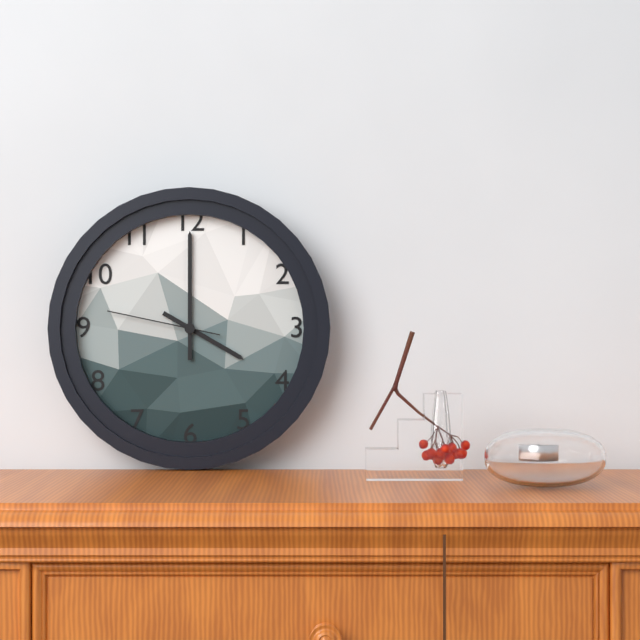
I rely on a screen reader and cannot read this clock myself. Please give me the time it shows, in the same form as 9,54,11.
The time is 4,00,47
